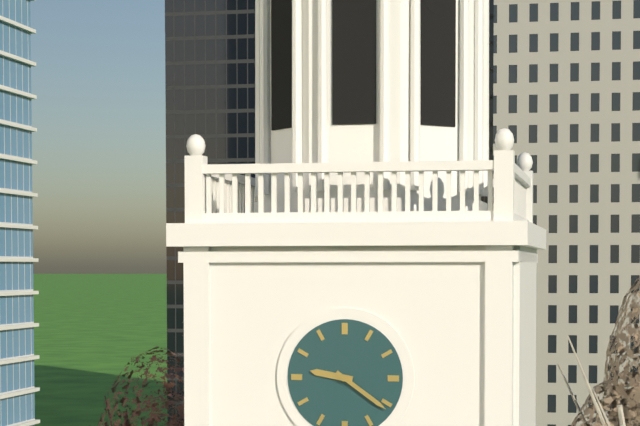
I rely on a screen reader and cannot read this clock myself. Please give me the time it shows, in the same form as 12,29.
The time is 9,21
